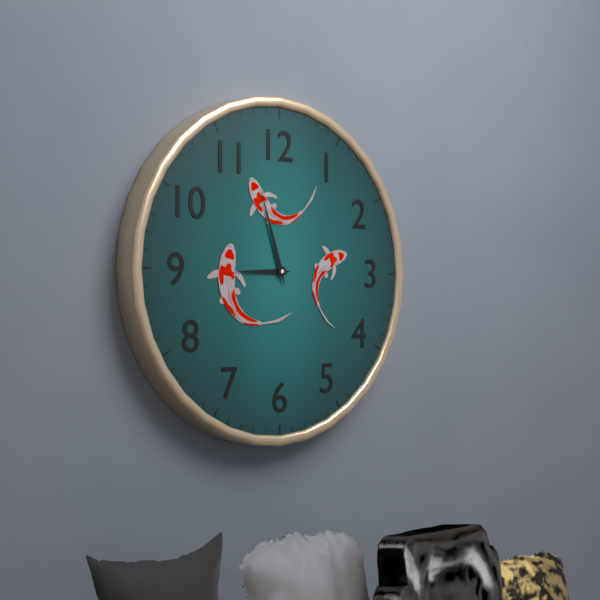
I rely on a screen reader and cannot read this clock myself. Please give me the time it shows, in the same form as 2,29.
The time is 8,57
